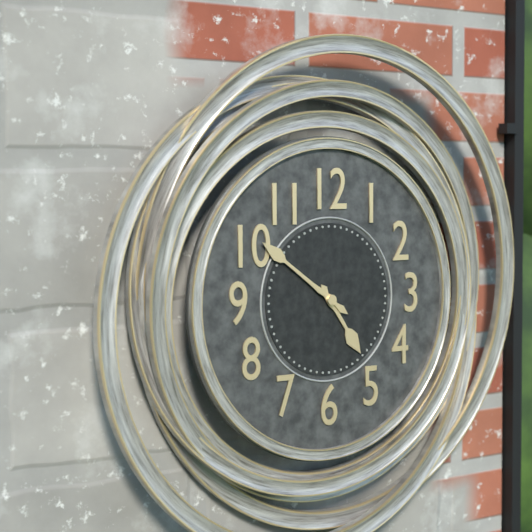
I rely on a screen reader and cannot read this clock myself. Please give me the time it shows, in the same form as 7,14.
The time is 4,51
